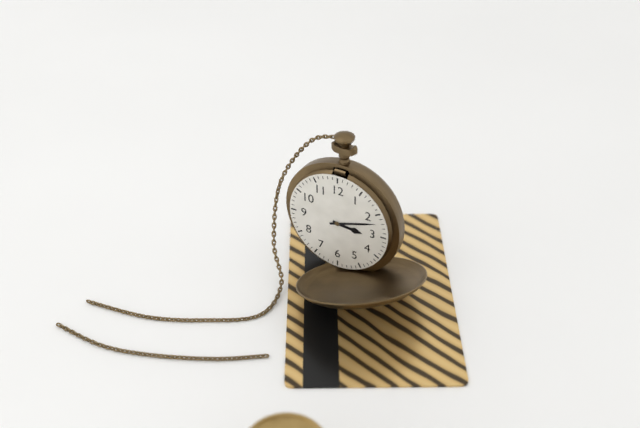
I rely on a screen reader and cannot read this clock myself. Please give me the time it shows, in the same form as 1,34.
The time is 3,12
